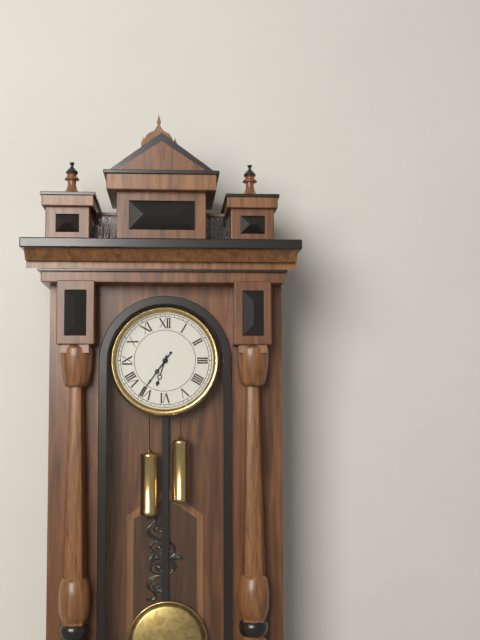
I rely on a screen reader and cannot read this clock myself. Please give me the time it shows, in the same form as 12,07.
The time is 6,36
